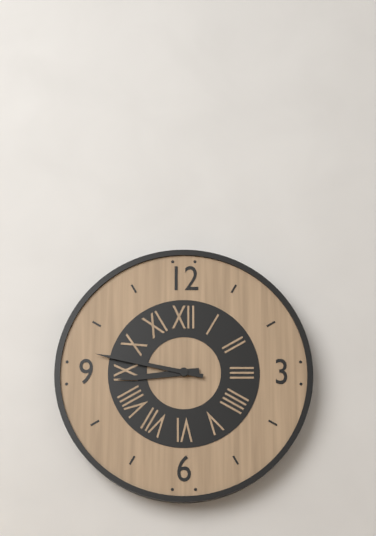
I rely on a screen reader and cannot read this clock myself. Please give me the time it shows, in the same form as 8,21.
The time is 8,47
